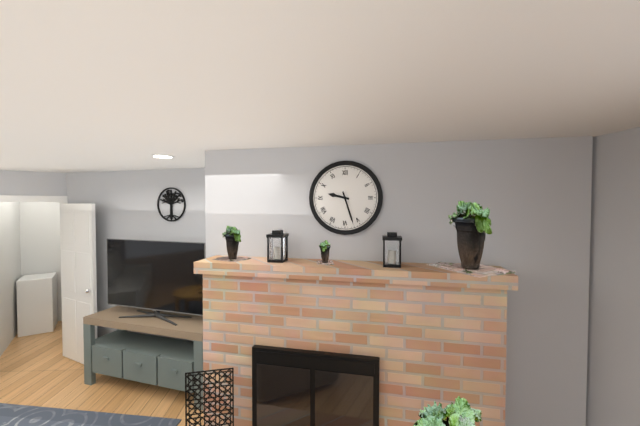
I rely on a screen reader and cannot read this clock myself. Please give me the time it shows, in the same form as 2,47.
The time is 9,27
